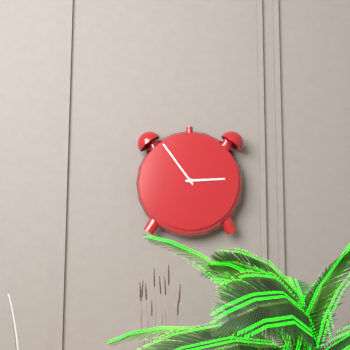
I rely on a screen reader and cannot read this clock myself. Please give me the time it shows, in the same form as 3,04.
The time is 2,54
